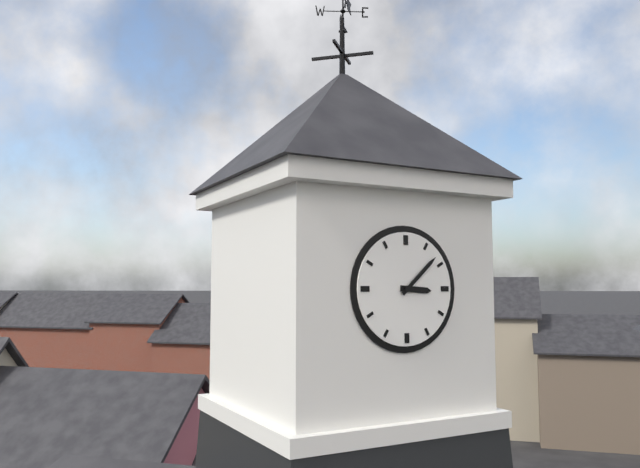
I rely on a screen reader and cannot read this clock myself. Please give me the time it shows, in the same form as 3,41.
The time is 3,08
